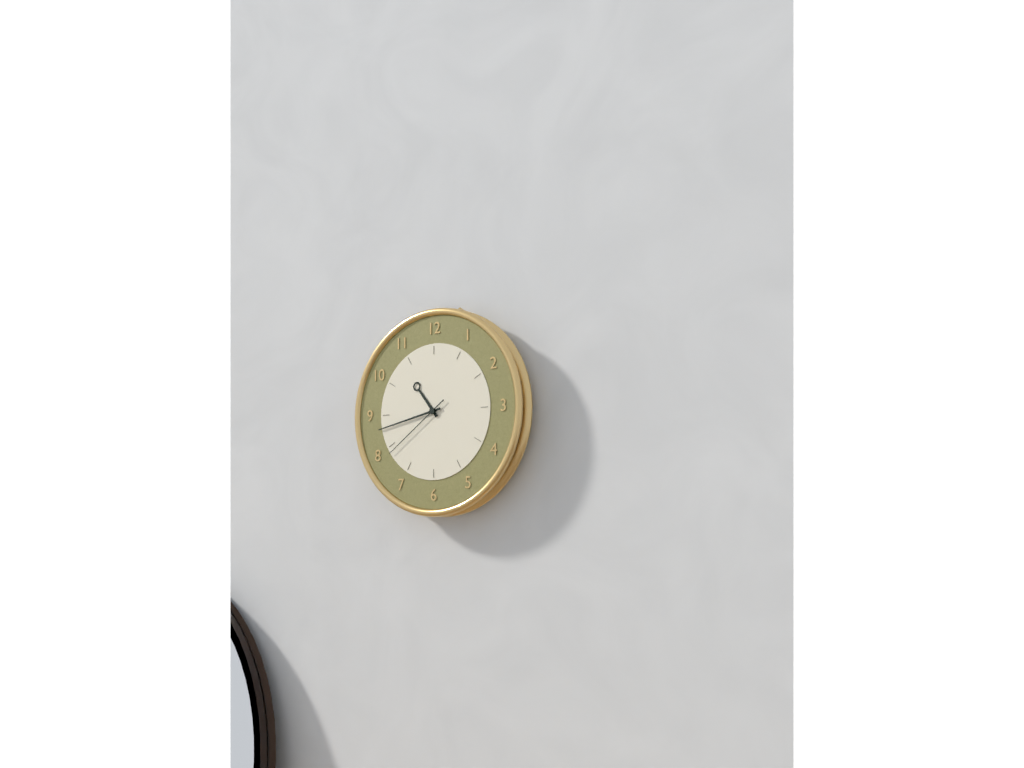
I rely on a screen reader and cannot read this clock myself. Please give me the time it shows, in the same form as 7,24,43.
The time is 10,43,39
